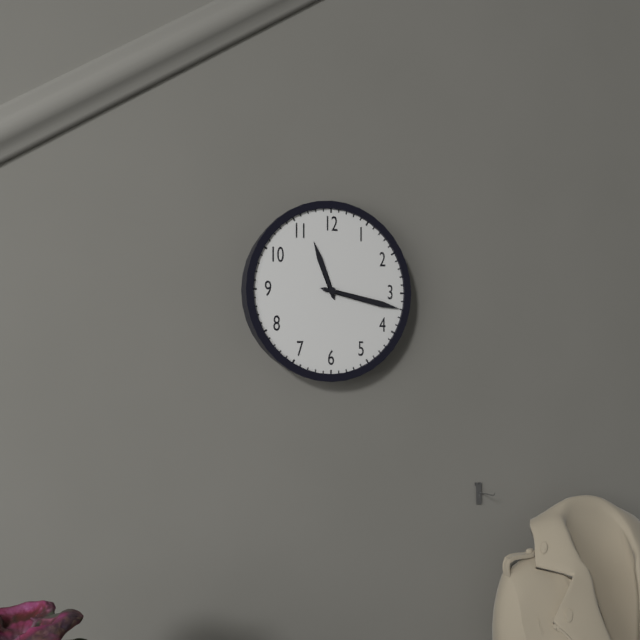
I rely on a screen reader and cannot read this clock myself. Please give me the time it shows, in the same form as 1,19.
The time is 11,17
